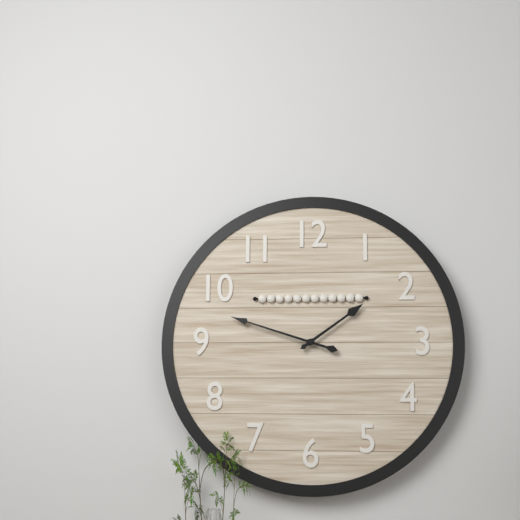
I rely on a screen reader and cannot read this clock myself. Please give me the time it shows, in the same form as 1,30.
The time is 1,48
